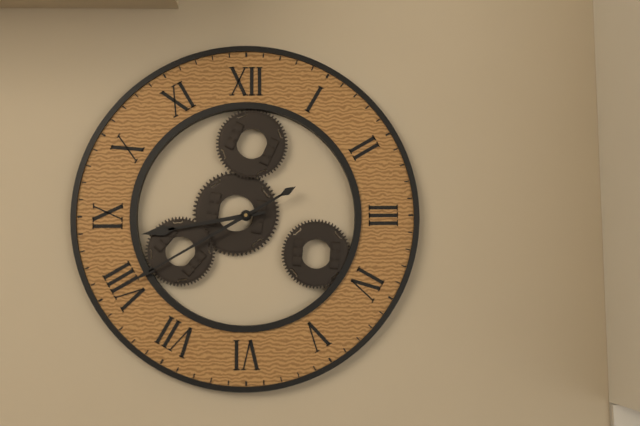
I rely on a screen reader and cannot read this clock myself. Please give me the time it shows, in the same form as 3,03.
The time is 8,40
